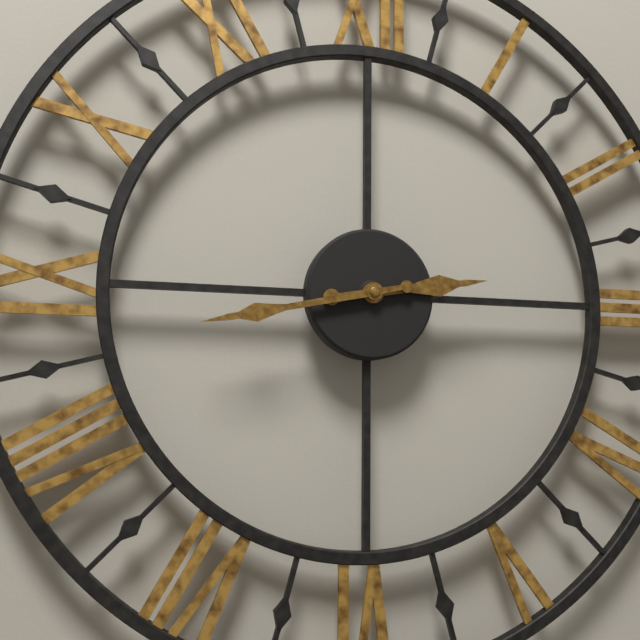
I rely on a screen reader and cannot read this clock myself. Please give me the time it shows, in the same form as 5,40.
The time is 2,43
